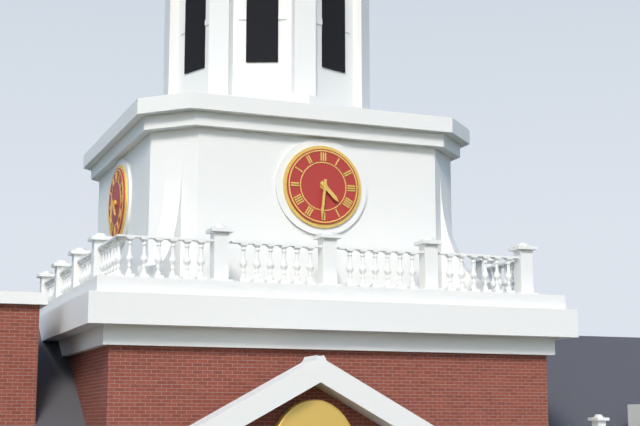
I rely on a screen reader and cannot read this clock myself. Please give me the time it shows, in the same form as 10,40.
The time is 4,31
